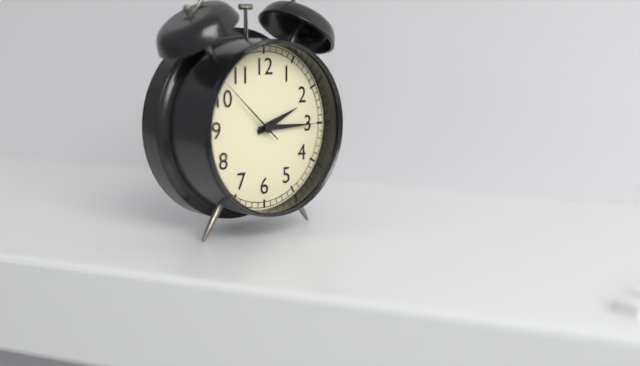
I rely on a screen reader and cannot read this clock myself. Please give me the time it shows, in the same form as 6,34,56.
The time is 2,15,52
